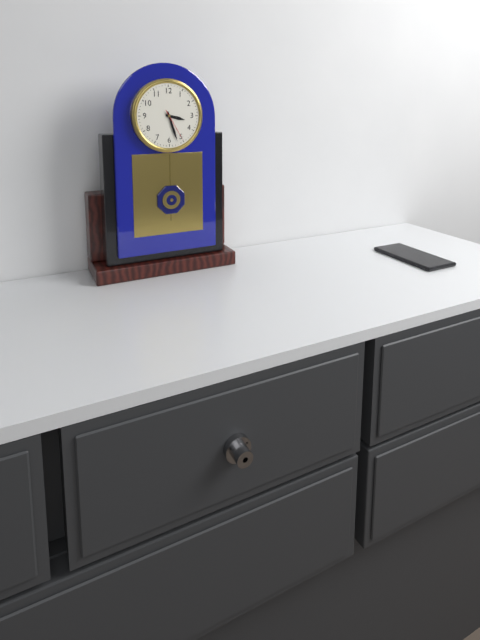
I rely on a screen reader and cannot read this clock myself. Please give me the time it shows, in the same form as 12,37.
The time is 3,27
